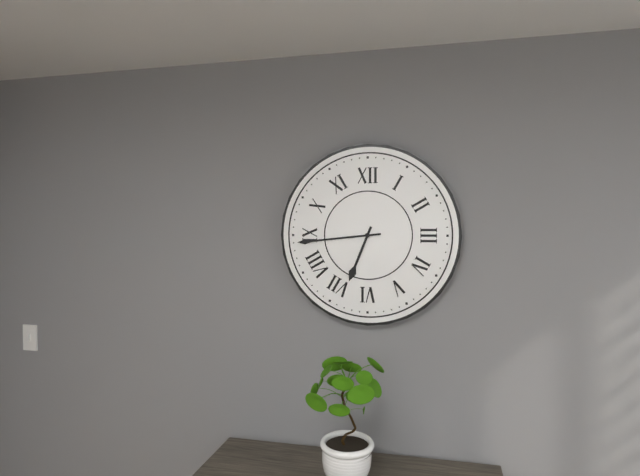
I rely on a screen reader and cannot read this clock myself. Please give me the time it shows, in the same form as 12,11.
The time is 6,44
